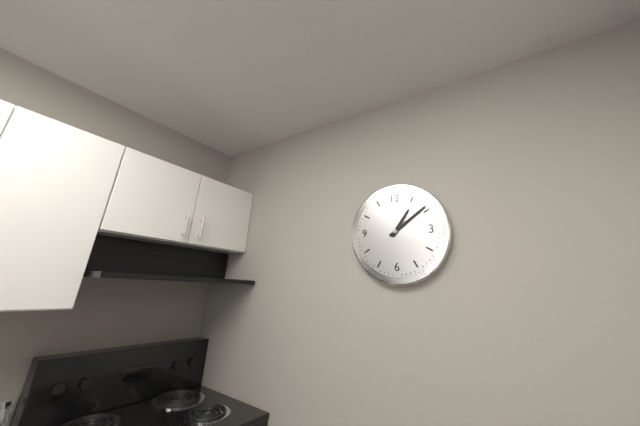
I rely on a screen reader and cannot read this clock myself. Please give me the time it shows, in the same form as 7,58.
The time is 1,09
